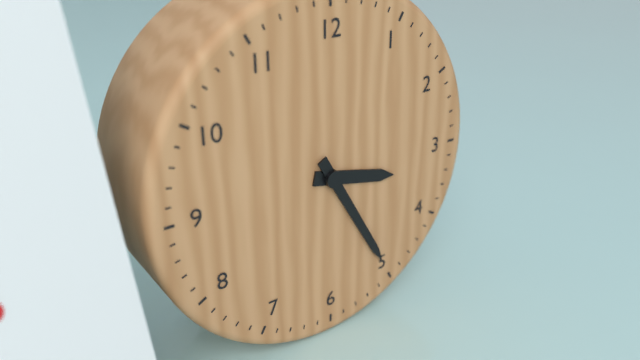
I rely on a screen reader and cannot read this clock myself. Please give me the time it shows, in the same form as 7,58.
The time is 3,25
